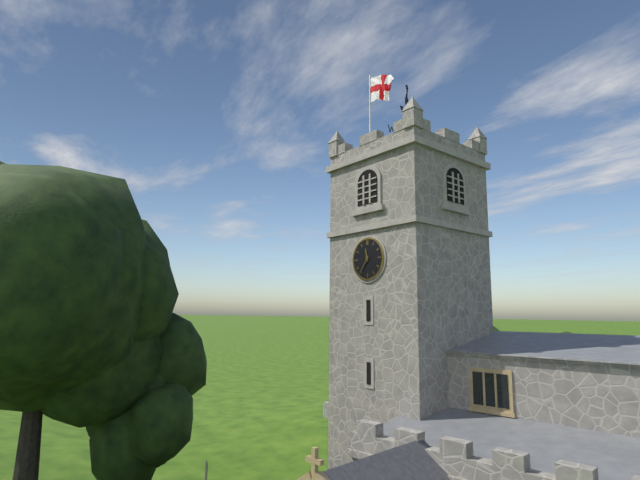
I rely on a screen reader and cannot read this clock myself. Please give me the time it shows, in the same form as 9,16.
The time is 11,36
